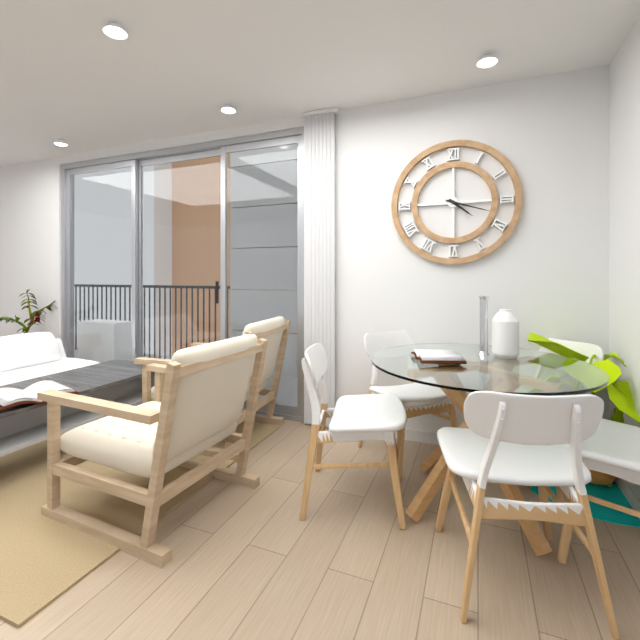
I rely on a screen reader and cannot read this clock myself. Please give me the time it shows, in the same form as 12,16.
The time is 4,18
